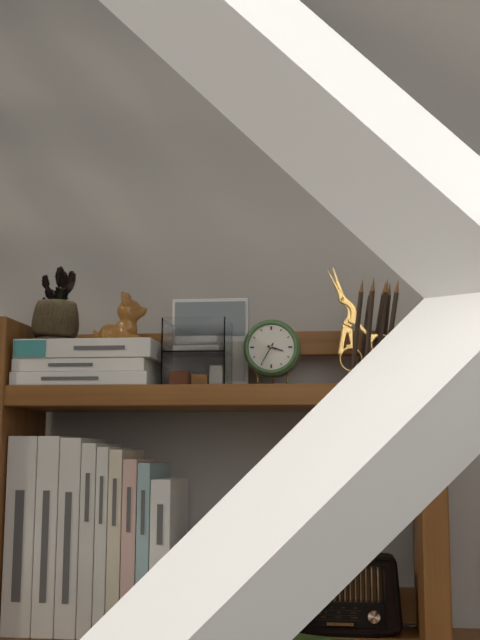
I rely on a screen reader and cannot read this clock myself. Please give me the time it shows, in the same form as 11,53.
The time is 3,35
